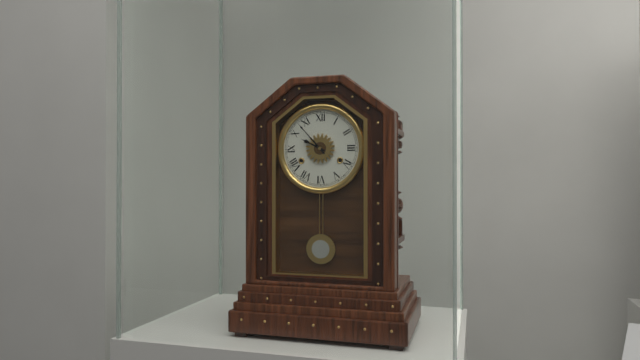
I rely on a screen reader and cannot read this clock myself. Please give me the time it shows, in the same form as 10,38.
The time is 9,53
